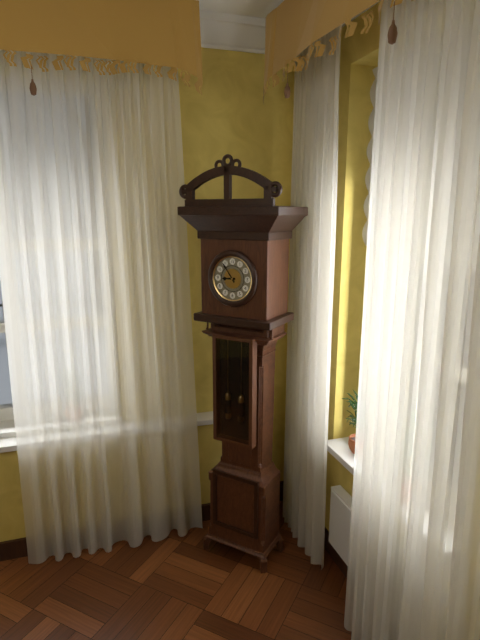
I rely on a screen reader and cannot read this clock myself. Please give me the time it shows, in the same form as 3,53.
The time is 8,54
